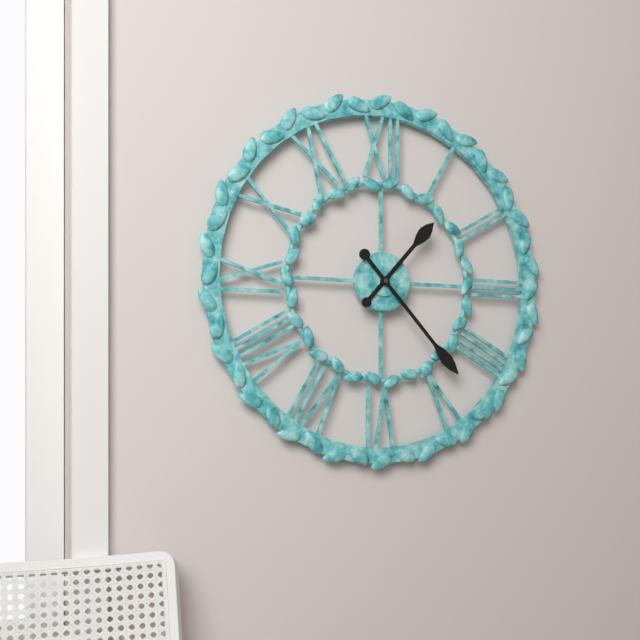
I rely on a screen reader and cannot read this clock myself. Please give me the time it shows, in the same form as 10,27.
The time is 1,23
